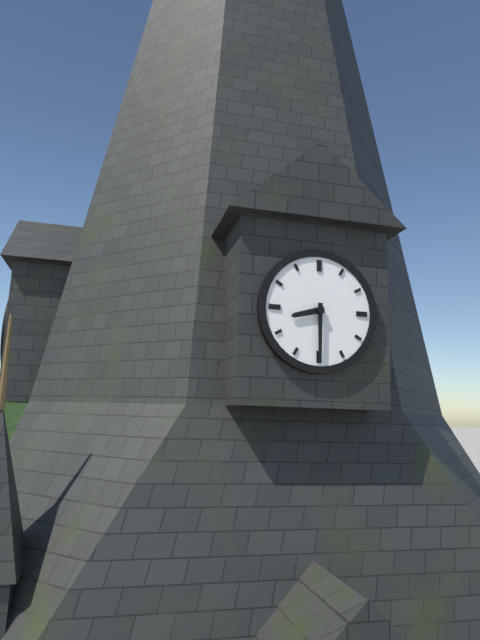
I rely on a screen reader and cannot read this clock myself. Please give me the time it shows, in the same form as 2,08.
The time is 8,30
